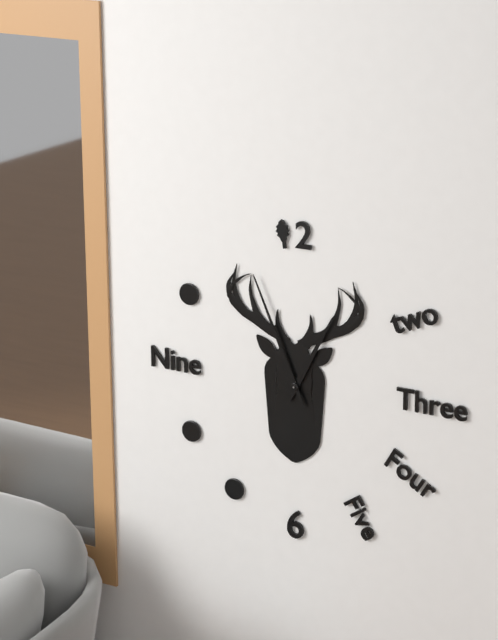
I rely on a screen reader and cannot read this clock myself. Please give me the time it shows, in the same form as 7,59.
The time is 12,56
